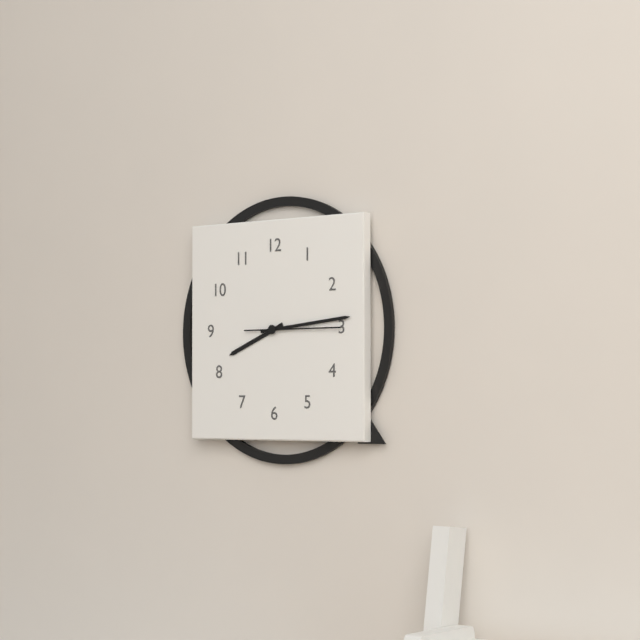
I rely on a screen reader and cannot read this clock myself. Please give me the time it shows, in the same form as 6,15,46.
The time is 8,14,15
